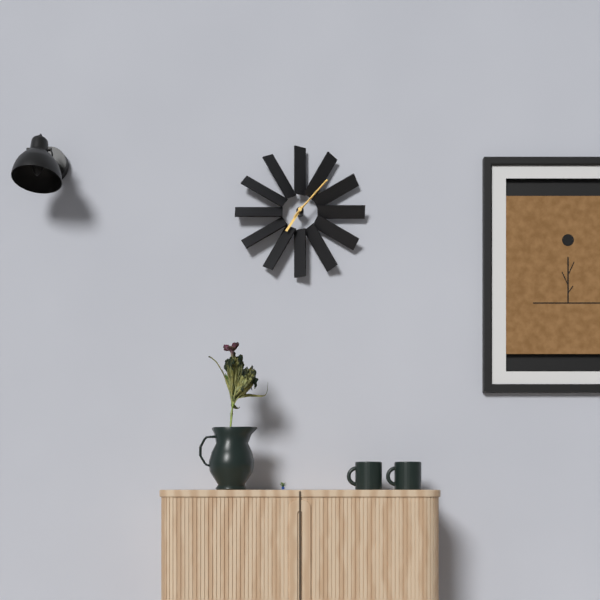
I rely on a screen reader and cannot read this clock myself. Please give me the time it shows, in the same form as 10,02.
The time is 7,07
